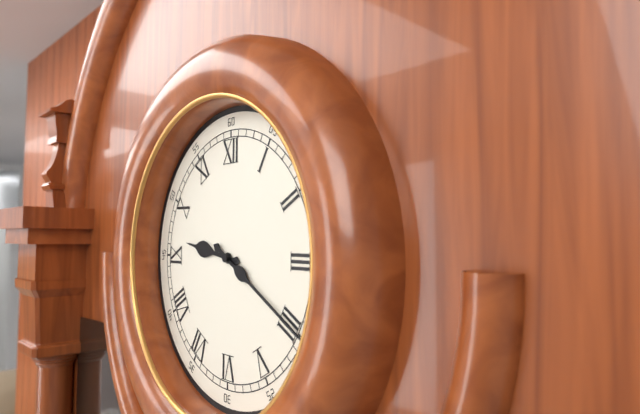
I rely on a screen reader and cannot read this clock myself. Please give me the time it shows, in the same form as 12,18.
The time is 9,20
